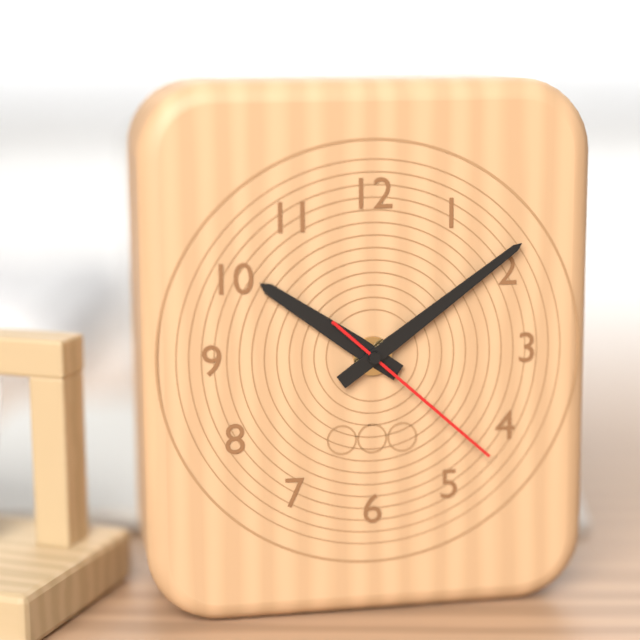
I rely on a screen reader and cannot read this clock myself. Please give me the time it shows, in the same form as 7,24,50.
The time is 10,09,22
